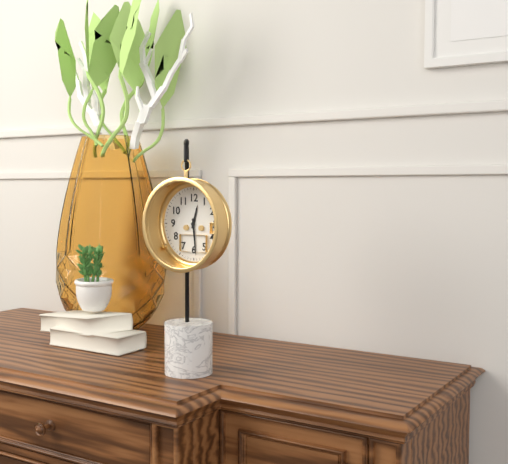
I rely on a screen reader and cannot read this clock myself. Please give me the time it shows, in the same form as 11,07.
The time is 12,29
